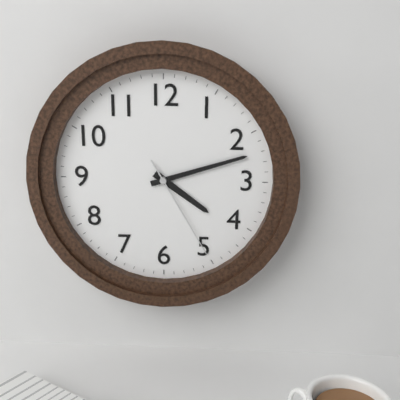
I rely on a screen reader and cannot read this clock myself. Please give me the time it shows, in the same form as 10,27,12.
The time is 4,12,25
